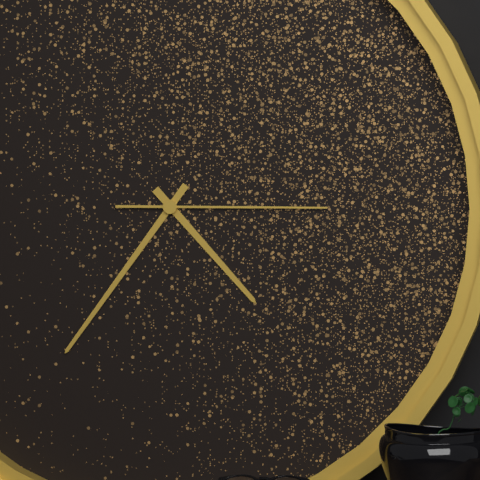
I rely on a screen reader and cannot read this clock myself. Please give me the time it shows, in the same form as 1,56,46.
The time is 4,36,15
